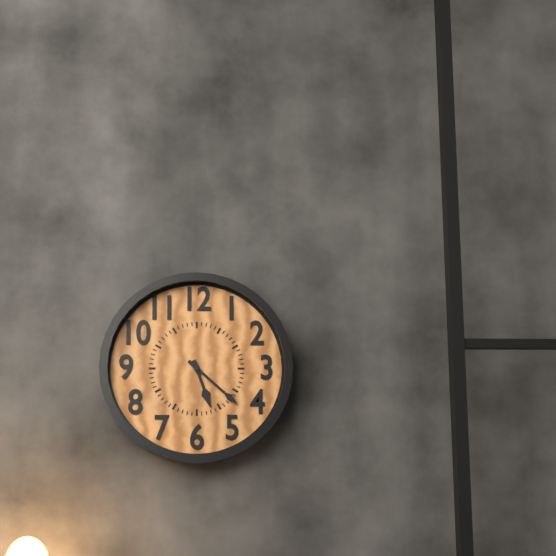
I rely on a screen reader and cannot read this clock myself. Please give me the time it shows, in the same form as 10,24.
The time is 5,22
